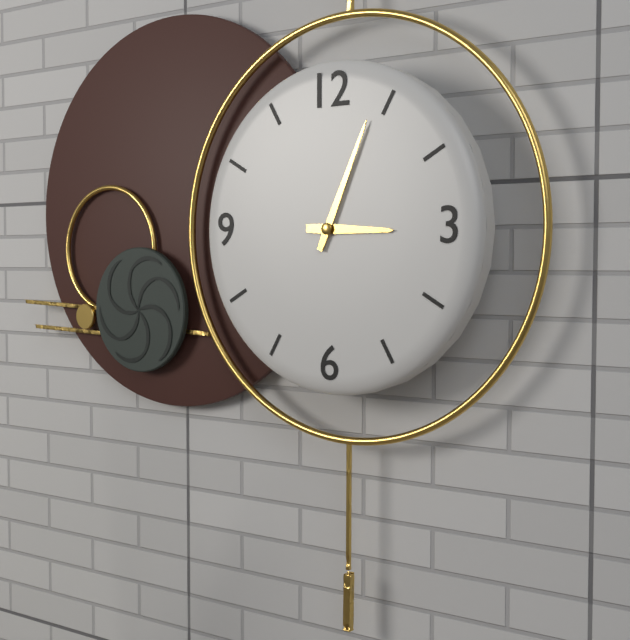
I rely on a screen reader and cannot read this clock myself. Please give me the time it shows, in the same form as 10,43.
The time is 3,04
